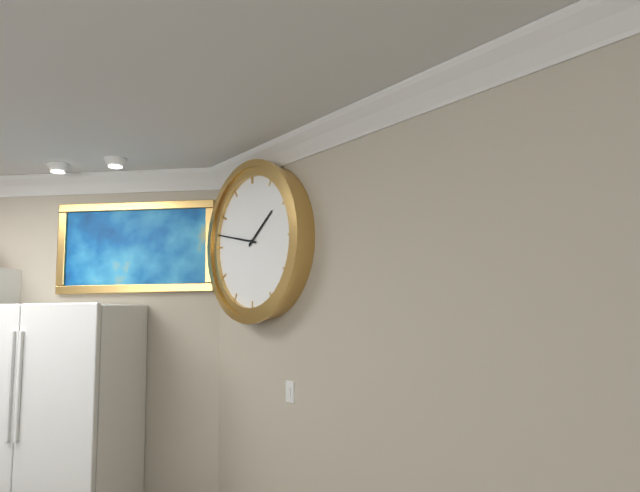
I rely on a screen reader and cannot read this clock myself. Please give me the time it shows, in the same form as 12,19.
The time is 1,47
